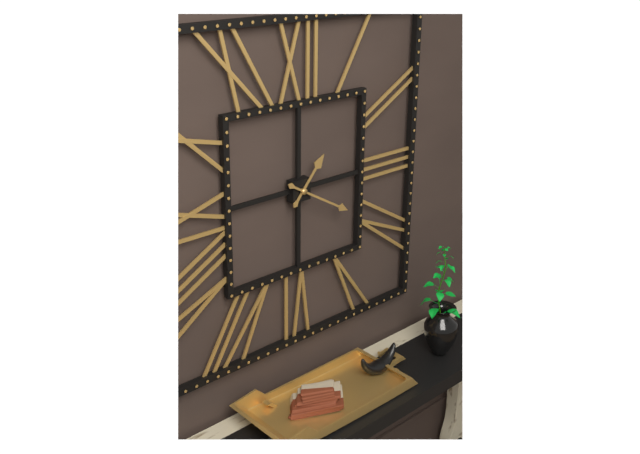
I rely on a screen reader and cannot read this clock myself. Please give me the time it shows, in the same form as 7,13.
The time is 1,20
